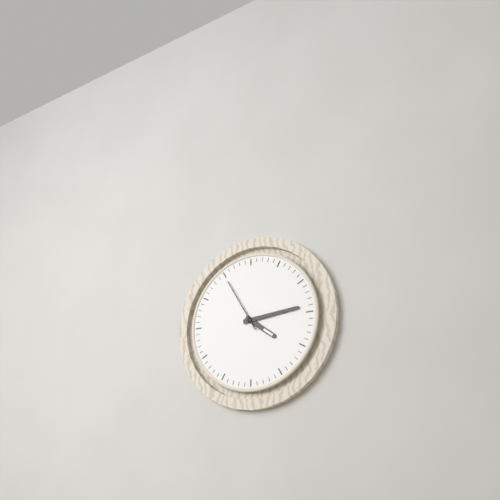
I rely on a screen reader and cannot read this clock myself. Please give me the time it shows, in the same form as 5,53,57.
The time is 4,14,55
